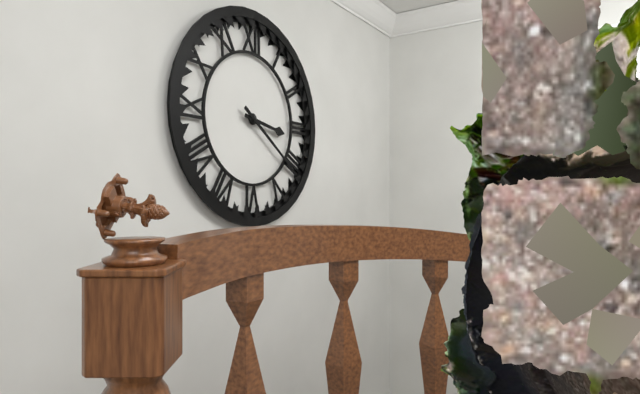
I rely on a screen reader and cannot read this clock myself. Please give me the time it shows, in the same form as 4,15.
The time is 3,21
